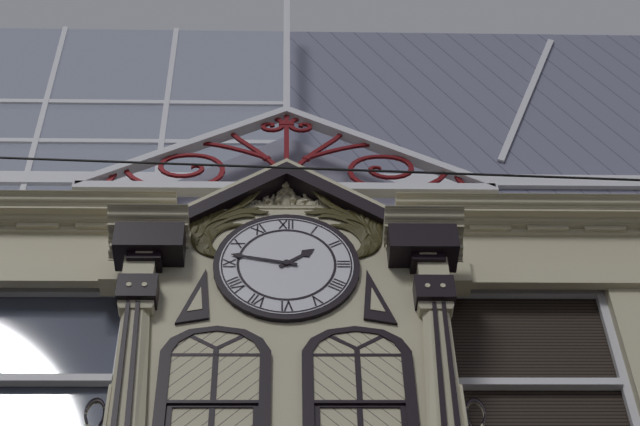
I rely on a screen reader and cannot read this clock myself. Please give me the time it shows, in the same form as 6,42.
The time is 1,47
